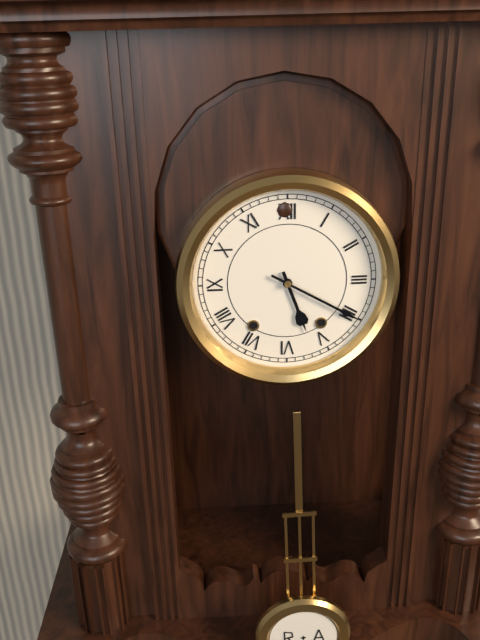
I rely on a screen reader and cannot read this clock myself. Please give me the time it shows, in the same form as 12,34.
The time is 5,20
